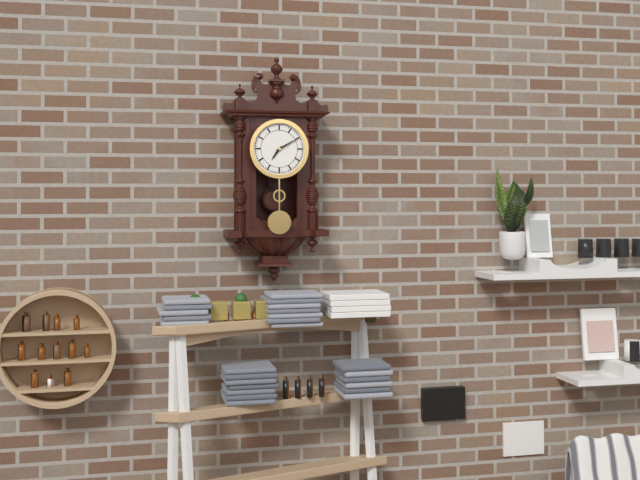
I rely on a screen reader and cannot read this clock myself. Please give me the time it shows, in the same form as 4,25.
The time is 7,10
